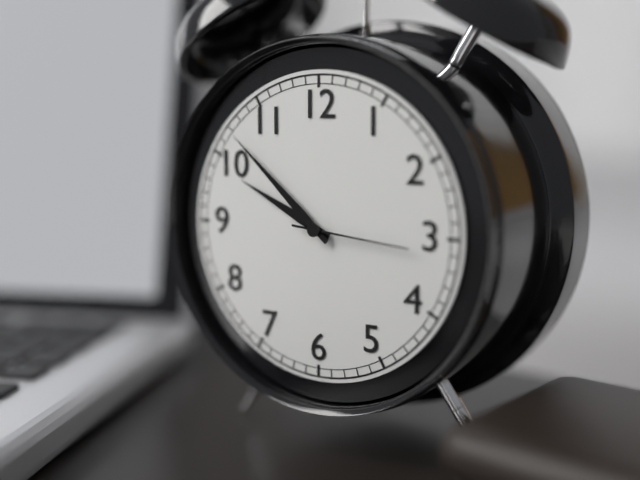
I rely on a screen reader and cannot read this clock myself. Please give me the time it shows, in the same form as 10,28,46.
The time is 9,52,16
